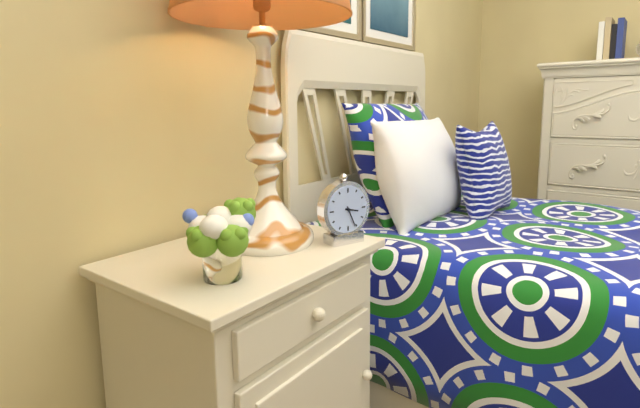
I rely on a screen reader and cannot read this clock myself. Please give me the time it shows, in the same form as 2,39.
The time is 3,26
